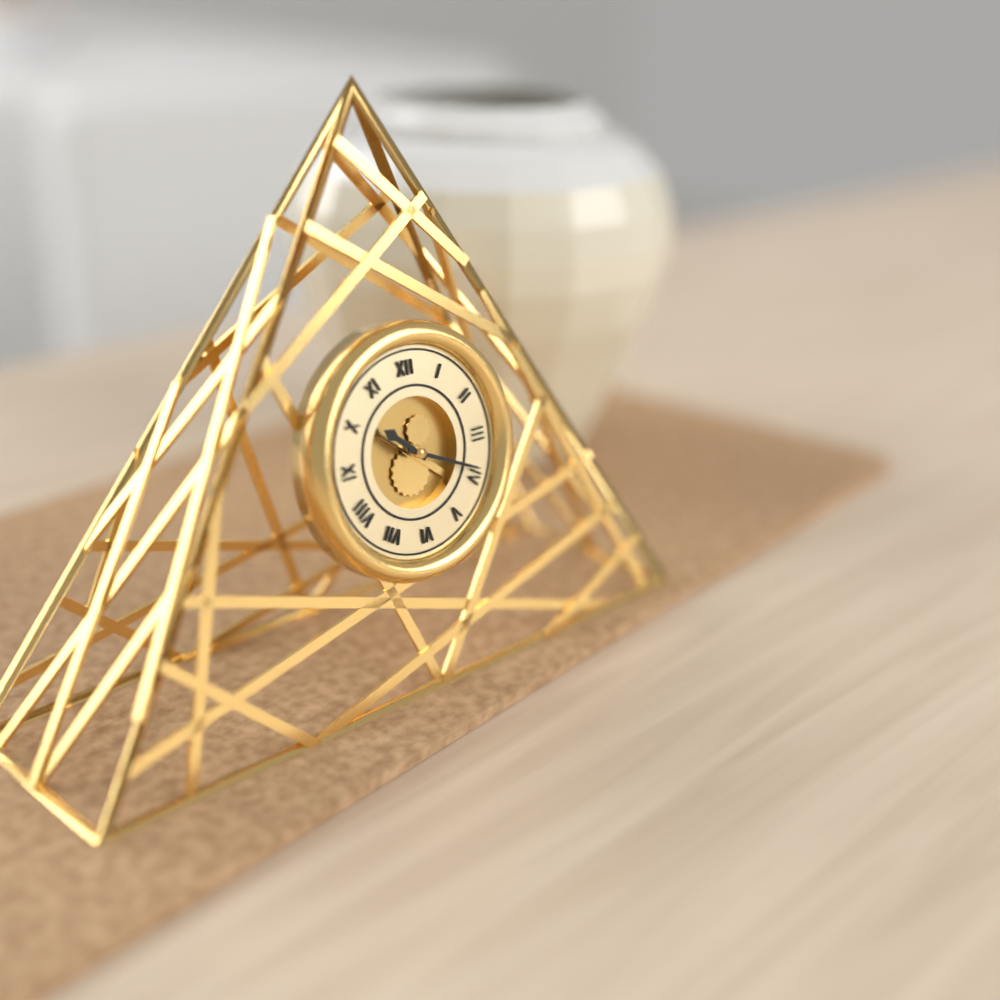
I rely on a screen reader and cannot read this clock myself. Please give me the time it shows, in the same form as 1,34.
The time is 10,19
